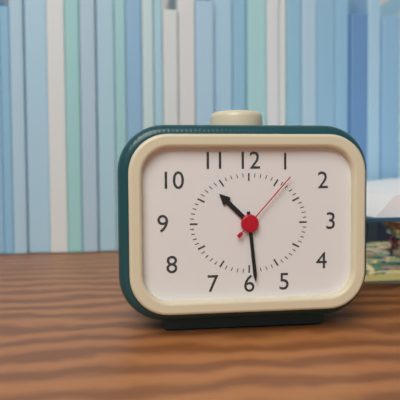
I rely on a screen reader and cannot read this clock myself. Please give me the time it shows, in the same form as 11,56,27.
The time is 10,29,07
